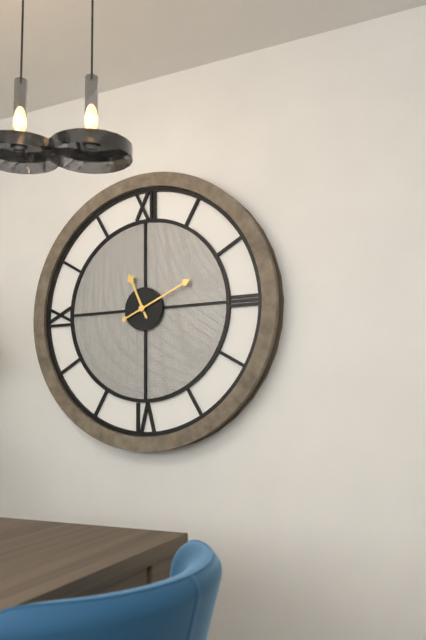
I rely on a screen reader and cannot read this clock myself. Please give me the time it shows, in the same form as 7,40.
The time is 11,11
